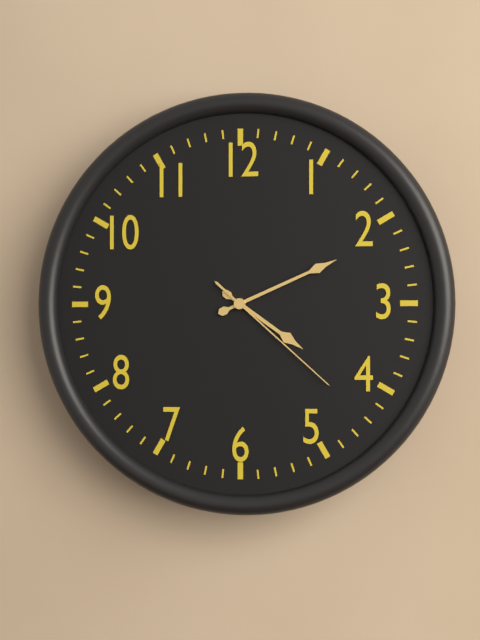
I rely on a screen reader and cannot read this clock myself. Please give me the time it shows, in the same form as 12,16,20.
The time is 4,11,22
